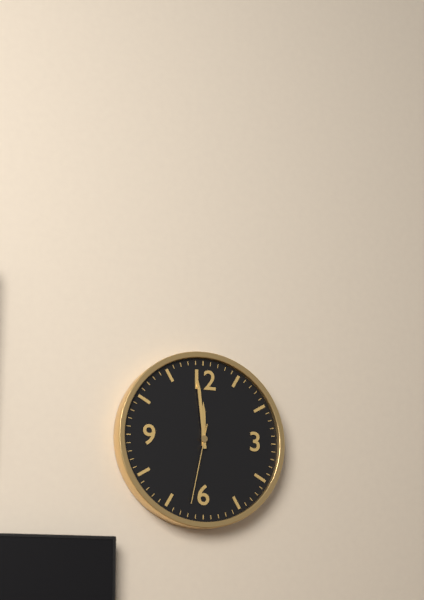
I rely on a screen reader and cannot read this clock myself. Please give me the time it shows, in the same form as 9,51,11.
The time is 11,59,32
